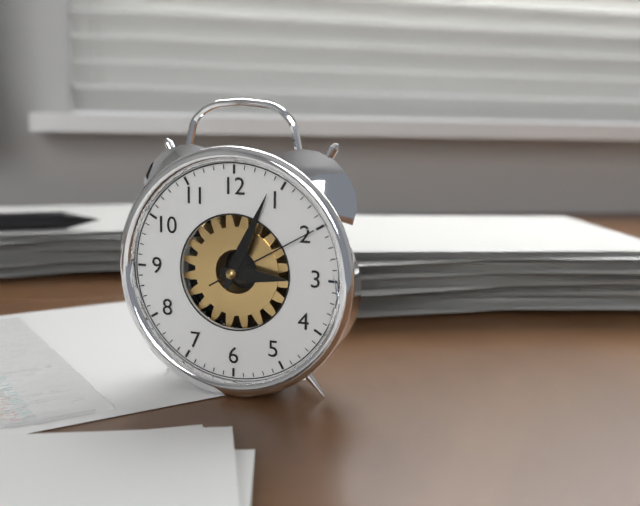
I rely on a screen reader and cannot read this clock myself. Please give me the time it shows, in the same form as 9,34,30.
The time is 3,04,10
